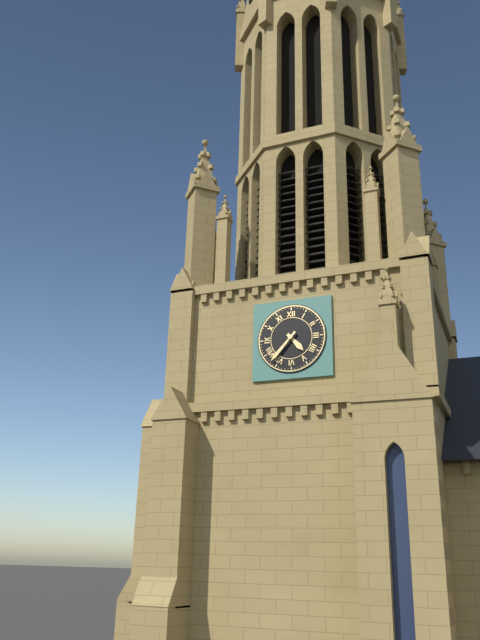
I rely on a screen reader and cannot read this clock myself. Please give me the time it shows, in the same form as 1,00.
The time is 4,37
